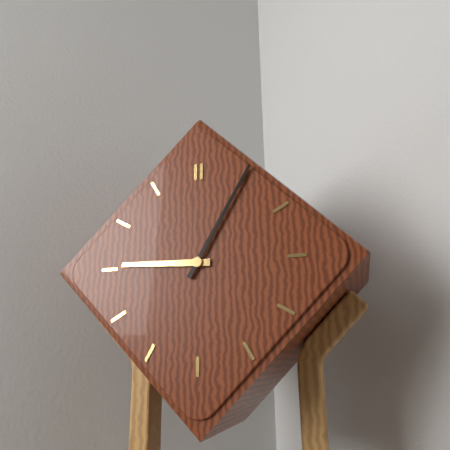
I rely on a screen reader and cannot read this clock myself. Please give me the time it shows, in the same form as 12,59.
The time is 9,05
